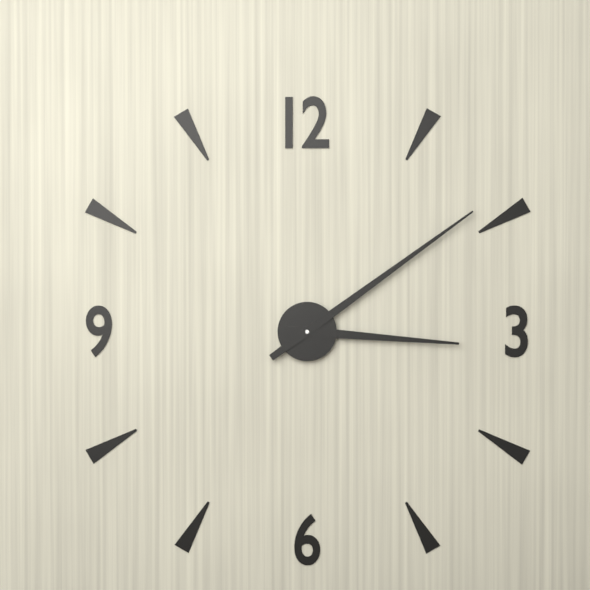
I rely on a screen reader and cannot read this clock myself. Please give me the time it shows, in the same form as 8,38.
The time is 3,09
